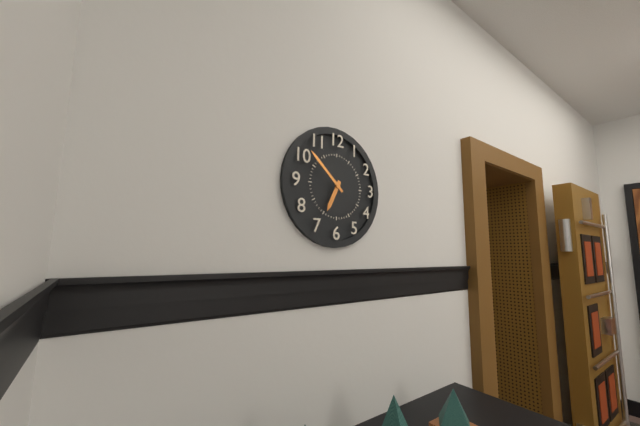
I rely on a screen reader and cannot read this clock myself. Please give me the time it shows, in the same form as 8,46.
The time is 6,52
